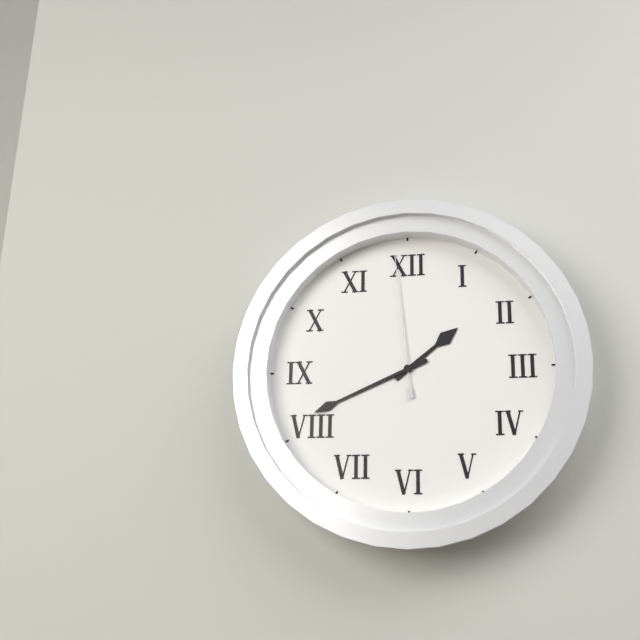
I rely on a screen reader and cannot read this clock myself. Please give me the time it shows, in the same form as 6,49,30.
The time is 1,41,59
